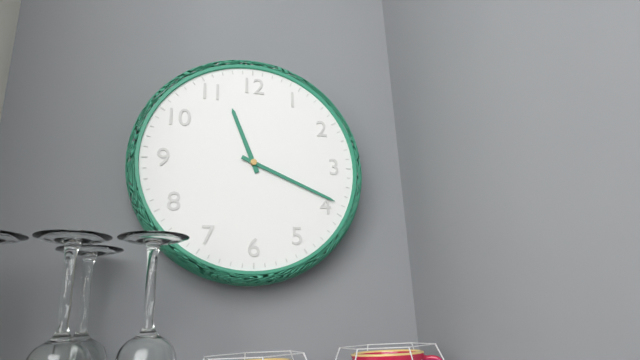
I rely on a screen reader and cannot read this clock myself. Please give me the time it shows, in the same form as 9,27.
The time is 11,19
